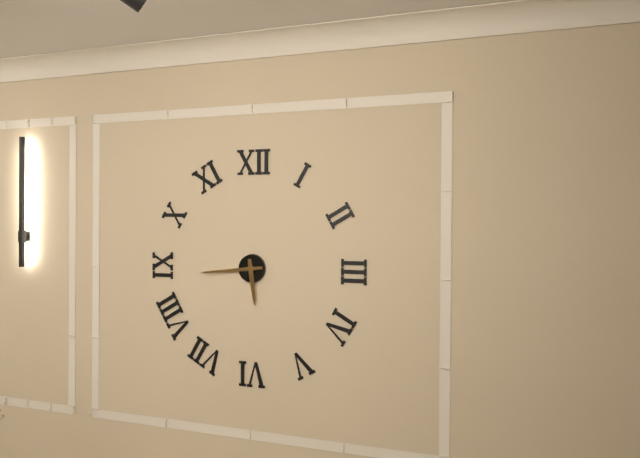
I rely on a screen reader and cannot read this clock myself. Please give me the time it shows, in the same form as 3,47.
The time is 5,44
